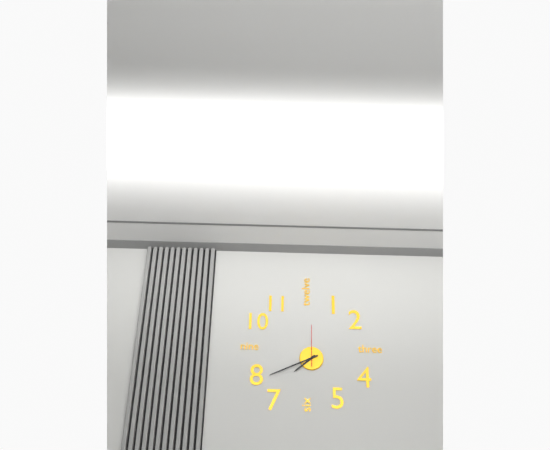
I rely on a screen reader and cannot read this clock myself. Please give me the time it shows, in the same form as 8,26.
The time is 7,41
